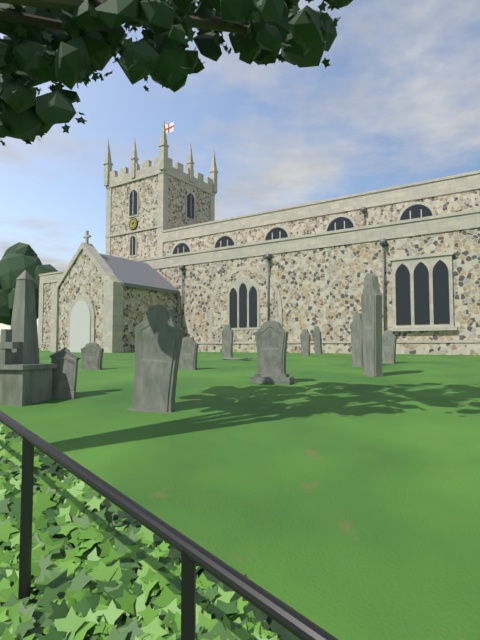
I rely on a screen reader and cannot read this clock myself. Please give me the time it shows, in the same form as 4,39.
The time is 1,53
